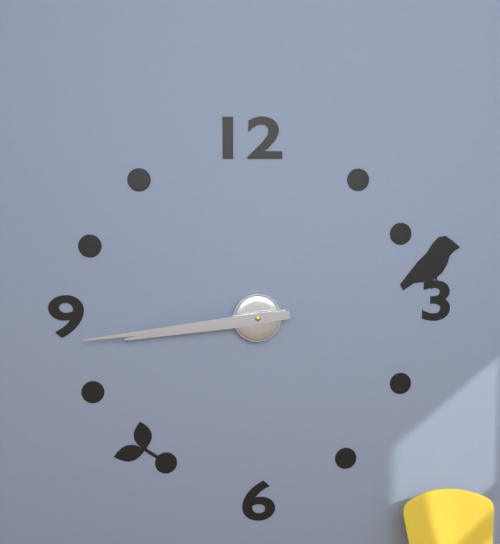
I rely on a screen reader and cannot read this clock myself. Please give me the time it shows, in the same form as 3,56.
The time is 8,44
